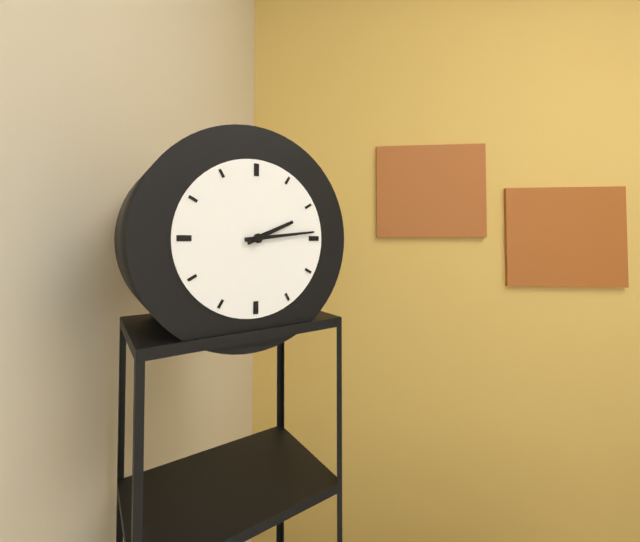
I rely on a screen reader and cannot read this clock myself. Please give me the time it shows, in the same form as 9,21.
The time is 2,14
